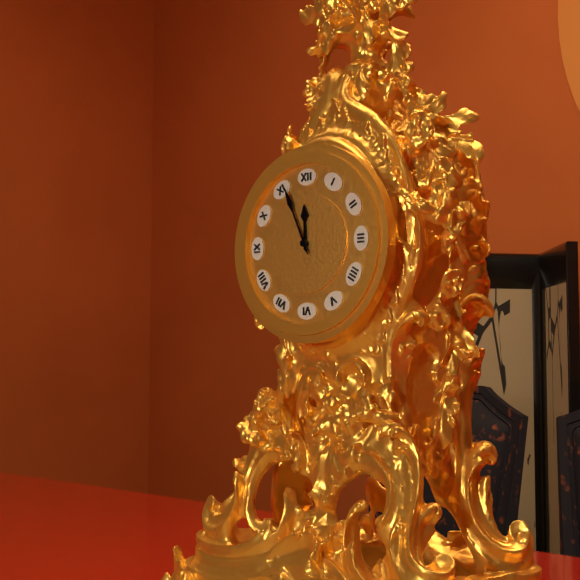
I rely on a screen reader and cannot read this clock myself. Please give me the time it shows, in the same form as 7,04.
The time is 11,56
